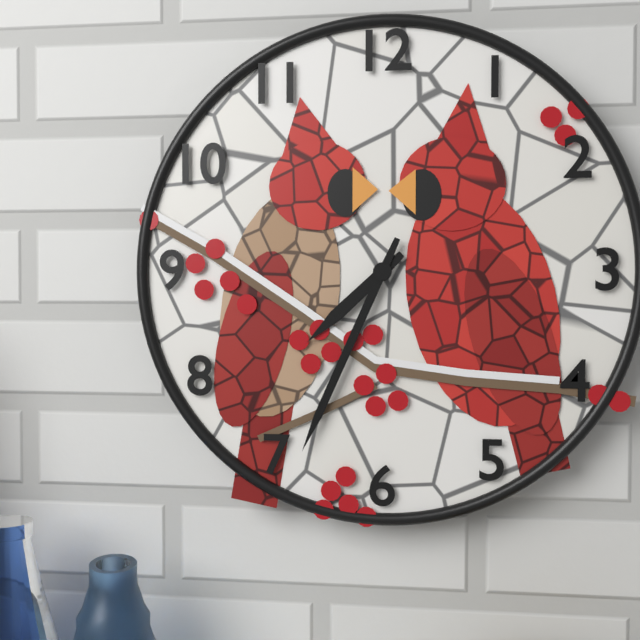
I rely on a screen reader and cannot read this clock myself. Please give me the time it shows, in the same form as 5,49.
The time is 7,34
